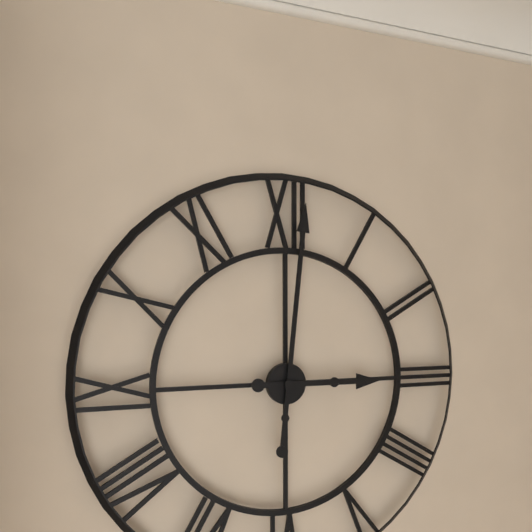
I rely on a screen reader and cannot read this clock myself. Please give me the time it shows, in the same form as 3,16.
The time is 3,01
